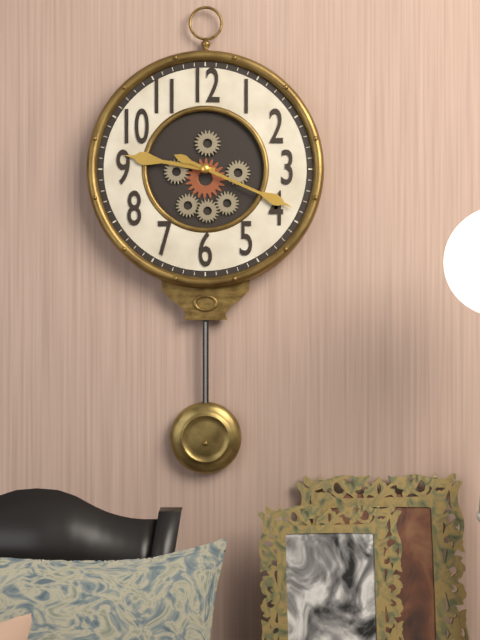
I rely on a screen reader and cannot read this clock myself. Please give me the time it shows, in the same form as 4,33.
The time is 9,19
